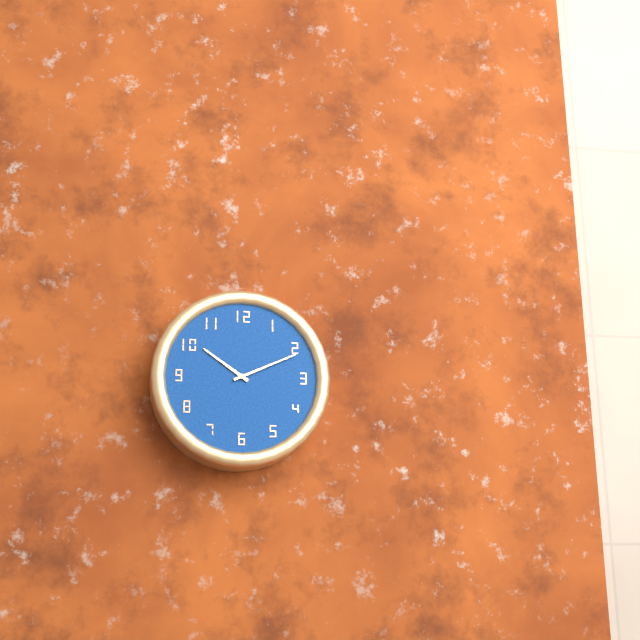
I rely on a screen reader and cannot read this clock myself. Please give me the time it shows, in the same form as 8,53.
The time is 10,11
